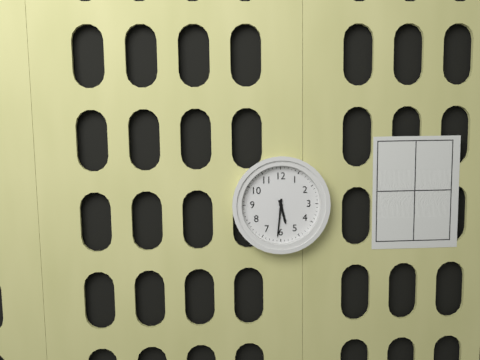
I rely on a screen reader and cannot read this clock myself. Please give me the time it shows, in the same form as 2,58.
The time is 5,31
